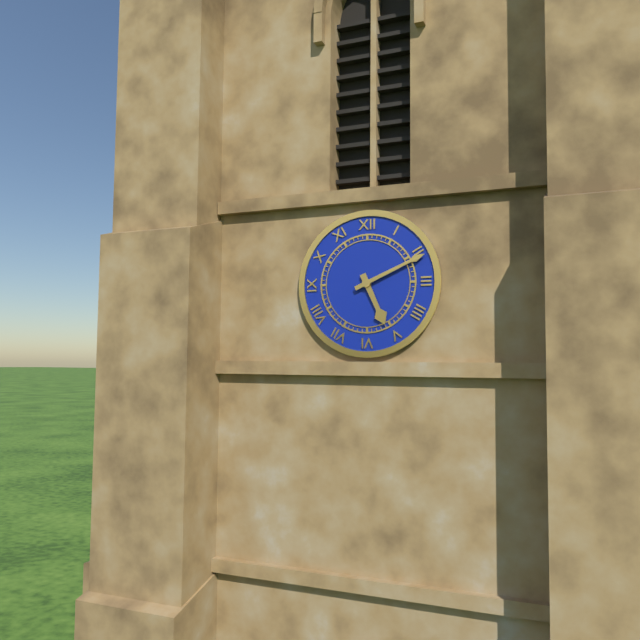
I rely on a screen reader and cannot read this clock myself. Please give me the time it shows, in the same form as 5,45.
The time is 5,11
